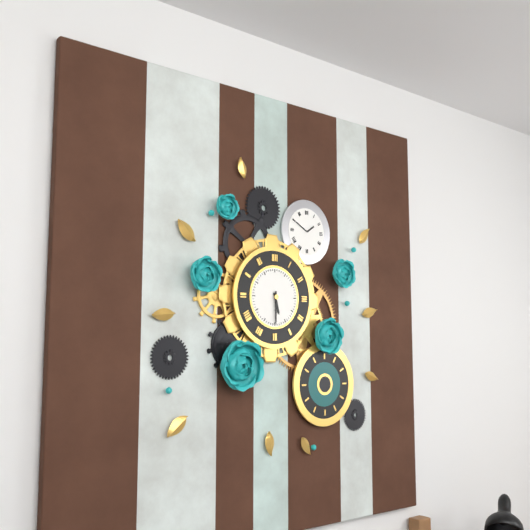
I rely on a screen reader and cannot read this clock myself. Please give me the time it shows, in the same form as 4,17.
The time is 5,30
